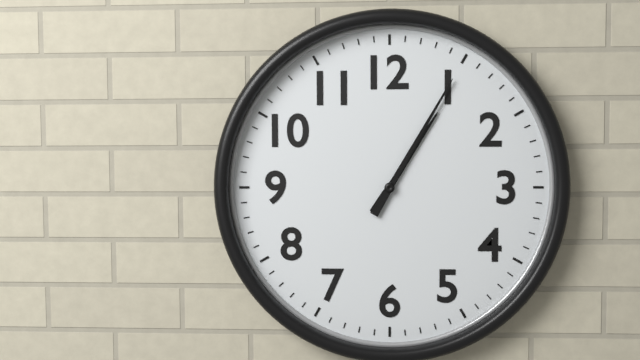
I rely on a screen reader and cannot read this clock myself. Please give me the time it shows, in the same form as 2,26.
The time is 1,05
